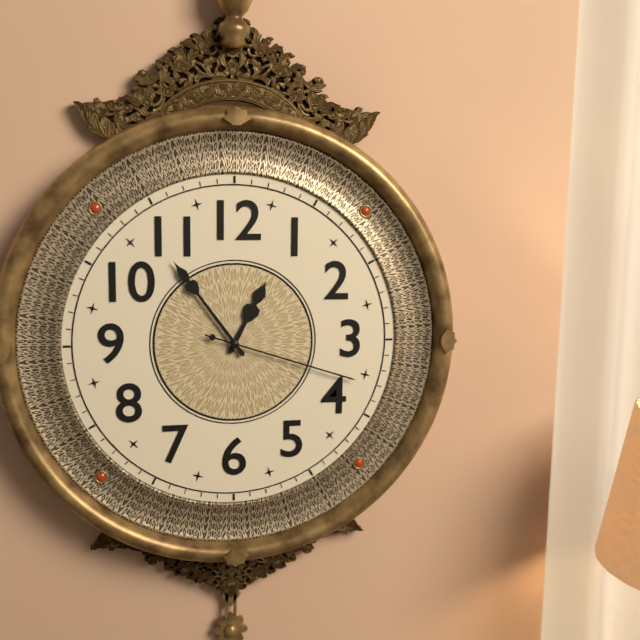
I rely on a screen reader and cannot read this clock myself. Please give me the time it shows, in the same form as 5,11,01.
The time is 12,54,18
